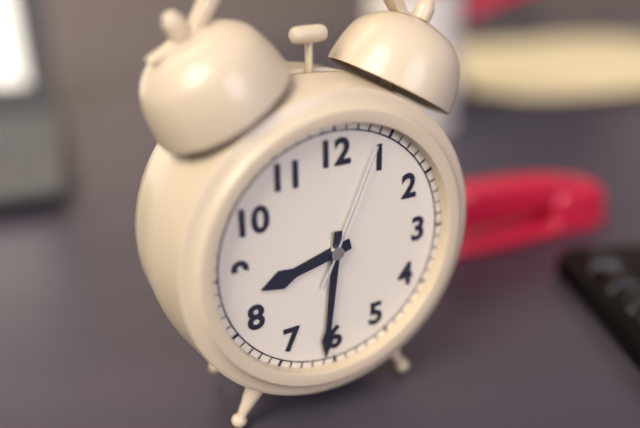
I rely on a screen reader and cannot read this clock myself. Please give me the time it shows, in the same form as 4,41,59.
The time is 8,31,04
